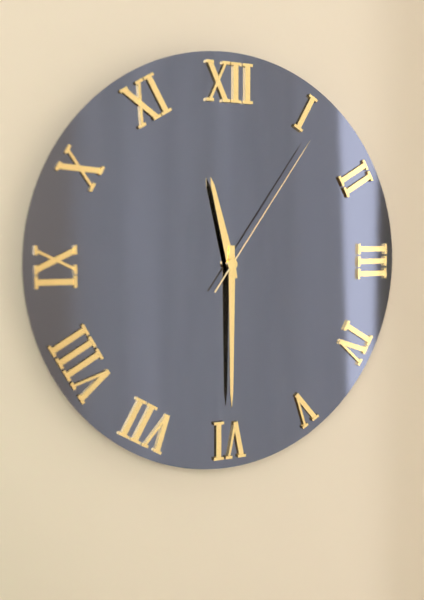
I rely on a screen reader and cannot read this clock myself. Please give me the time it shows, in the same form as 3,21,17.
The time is 11,30,06
